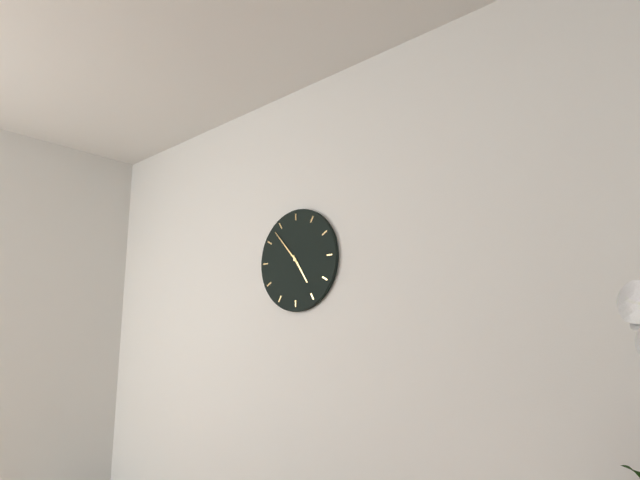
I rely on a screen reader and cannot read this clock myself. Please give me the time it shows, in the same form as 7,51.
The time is 4,53
